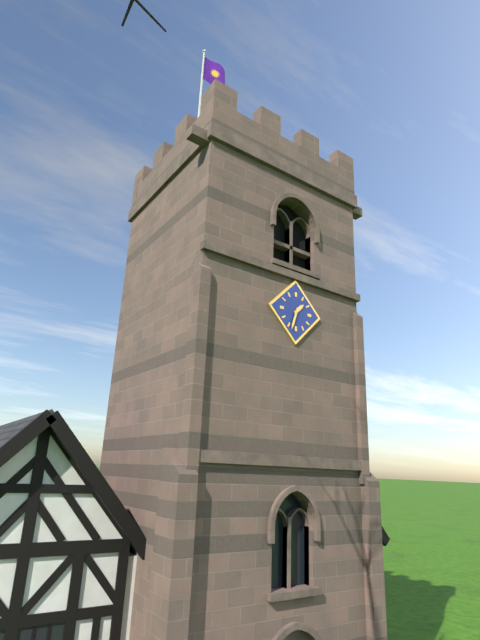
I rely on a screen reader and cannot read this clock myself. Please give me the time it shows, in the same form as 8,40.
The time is 1,33
